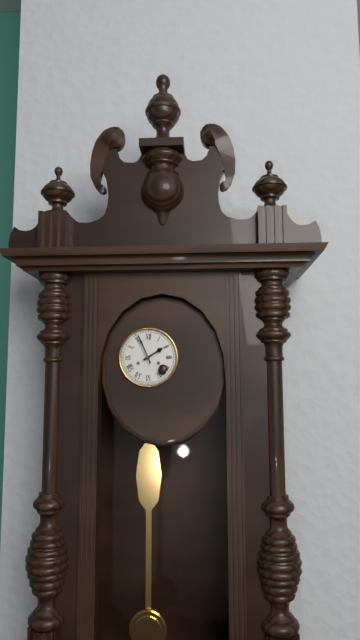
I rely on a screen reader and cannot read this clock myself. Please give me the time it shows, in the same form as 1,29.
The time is 1,56
